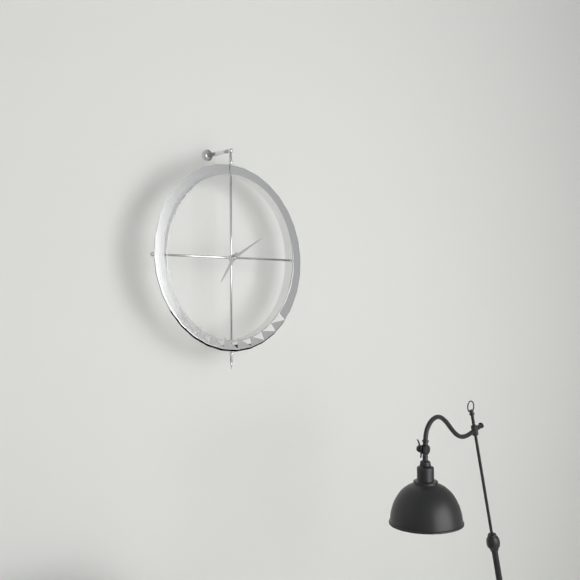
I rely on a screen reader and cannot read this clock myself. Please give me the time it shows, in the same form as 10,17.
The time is 7,10
